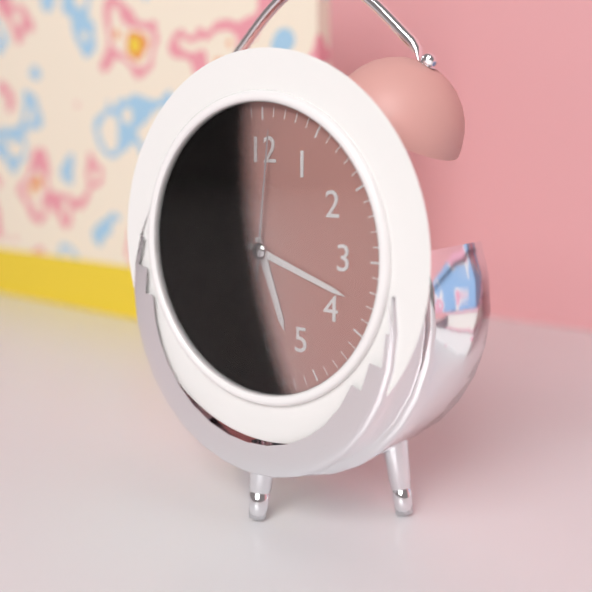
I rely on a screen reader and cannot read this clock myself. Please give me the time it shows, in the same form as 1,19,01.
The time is 5,18,01
